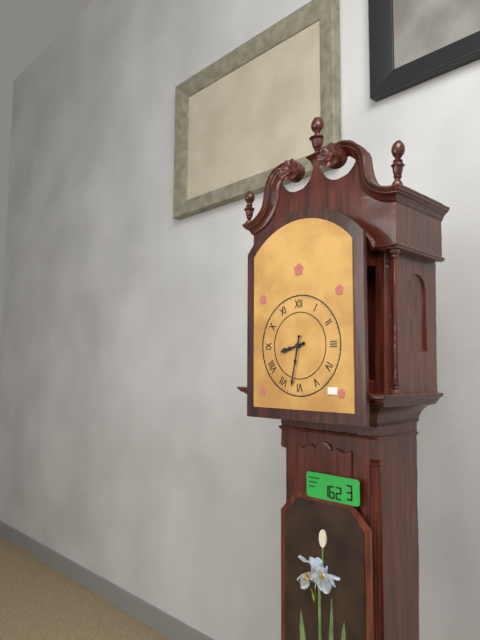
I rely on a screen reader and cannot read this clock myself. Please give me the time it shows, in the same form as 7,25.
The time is 8,32
